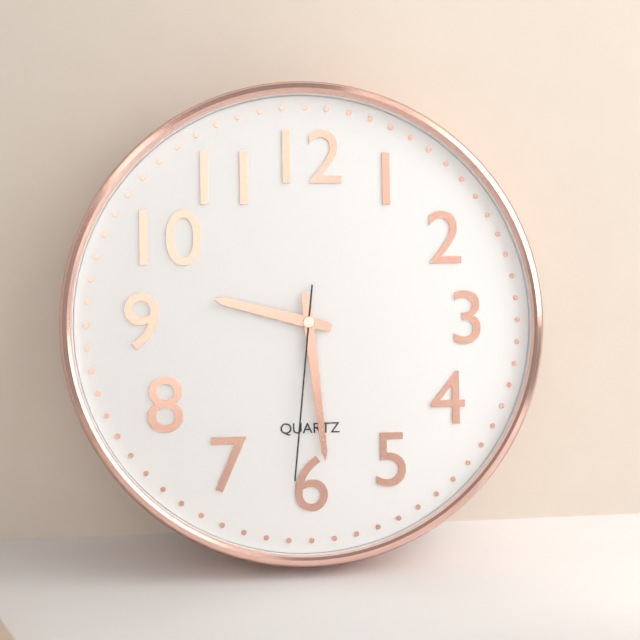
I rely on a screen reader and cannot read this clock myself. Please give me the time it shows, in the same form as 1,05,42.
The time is 9,29,31
